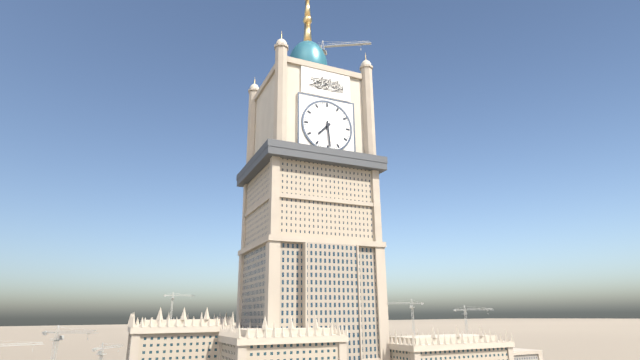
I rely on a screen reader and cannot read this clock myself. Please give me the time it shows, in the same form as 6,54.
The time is 7,29
